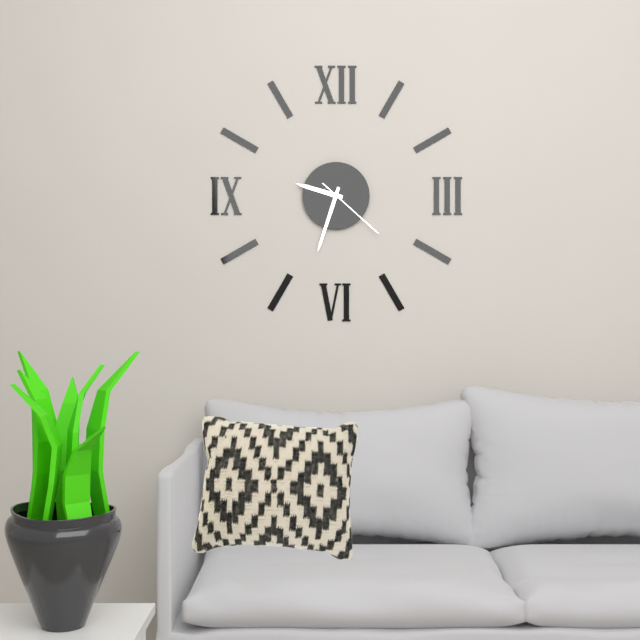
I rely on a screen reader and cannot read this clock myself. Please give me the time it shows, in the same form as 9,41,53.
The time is 9,33,22
